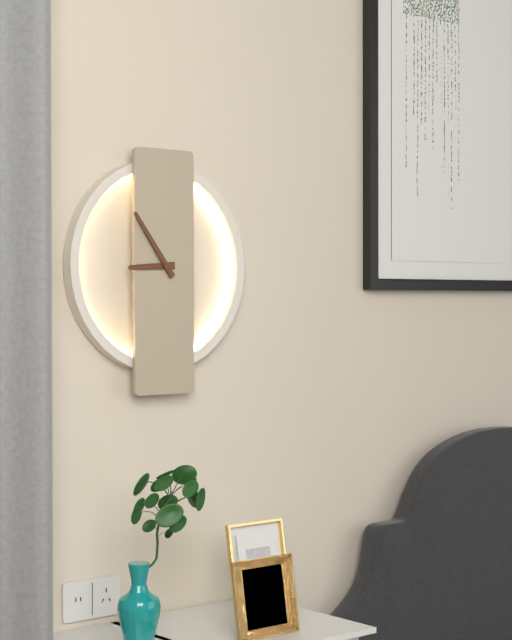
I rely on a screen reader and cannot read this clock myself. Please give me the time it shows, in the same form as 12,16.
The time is 8,54
